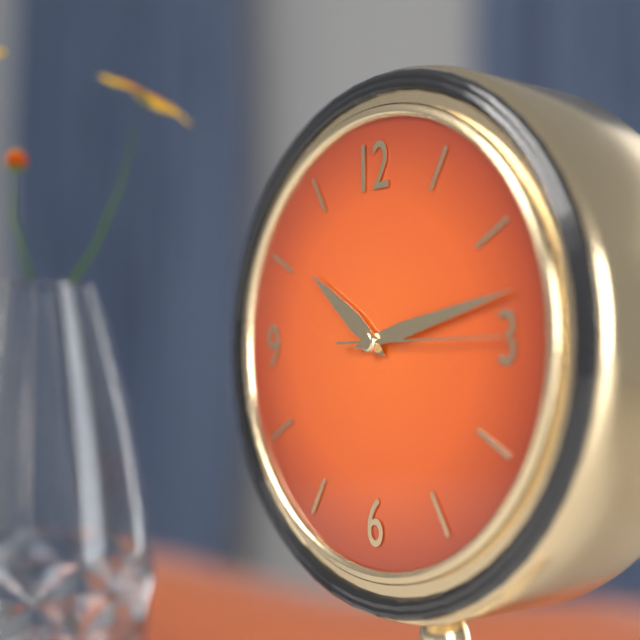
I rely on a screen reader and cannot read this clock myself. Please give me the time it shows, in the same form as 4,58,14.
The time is 10,13,15
